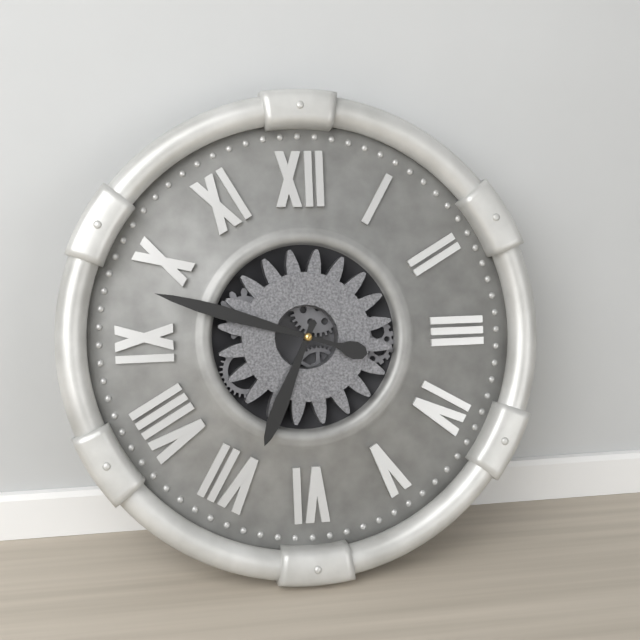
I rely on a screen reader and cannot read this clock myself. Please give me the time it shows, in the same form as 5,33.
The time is 6,48
